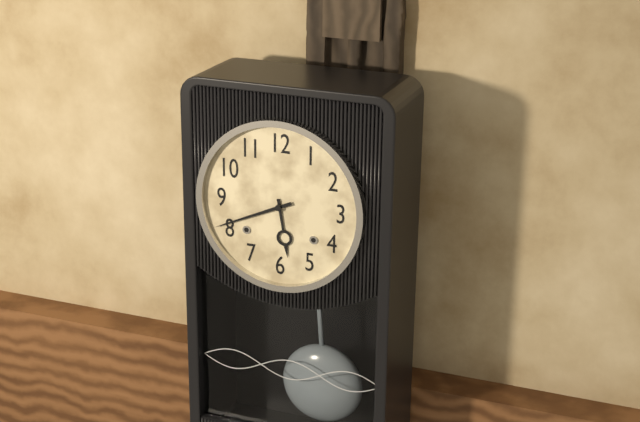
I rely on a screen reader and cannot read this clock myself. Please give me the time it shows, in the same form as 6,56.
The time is 5,41
